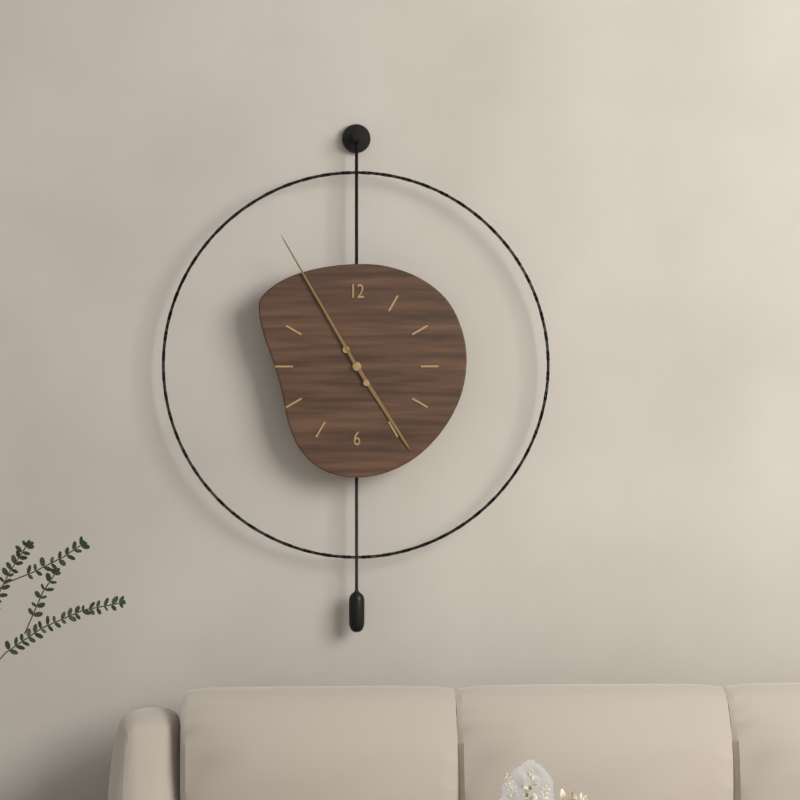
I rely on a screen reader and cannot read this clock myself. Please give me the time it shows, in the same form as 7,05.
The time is 4,55
